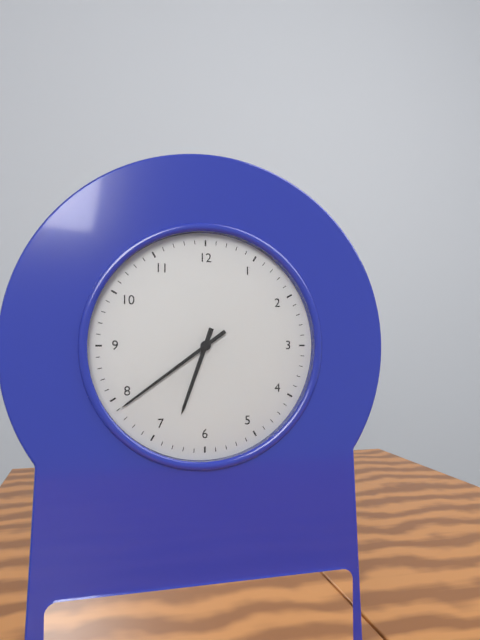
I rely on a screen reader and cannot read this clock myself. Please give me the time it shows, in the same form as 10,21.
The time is 6,39
